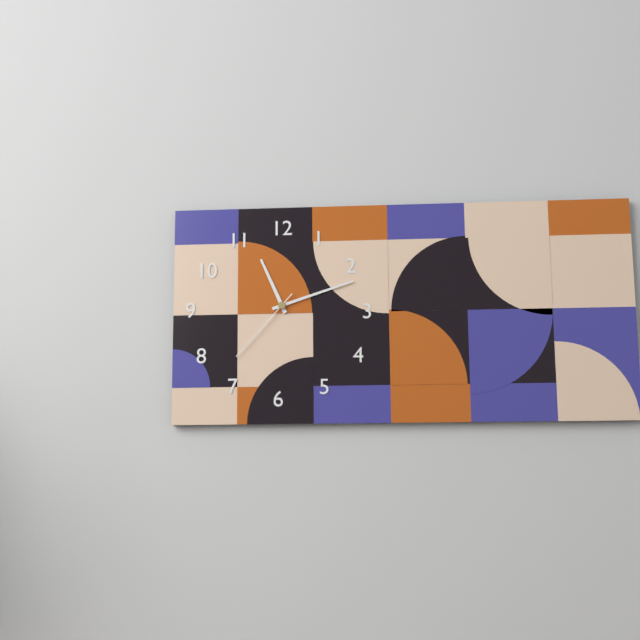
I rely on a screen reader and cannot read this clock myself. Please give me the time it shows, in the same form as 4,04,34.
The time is 11,12,37
